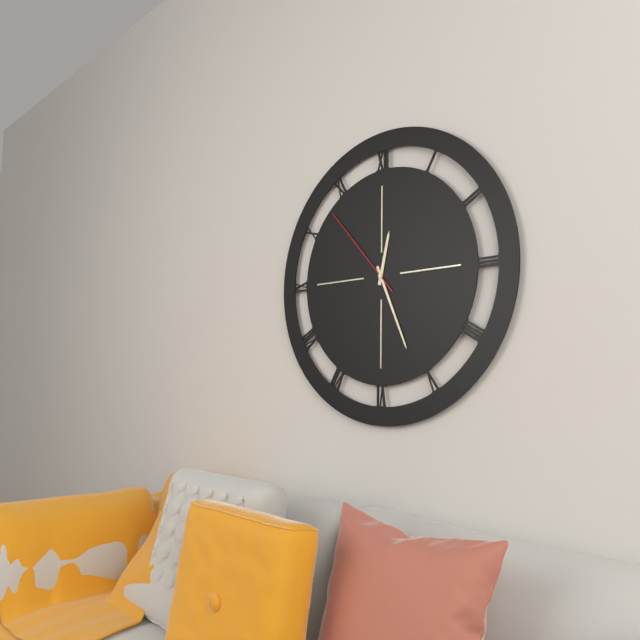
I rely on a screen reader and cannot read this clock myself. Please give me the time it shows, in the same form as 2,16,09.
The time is 12,26,53
